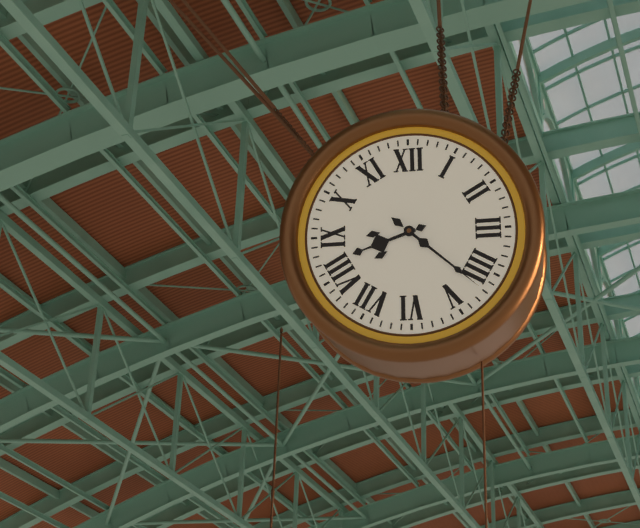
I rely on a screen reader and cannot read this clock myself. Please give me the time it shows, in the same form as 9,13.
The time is 8,22
